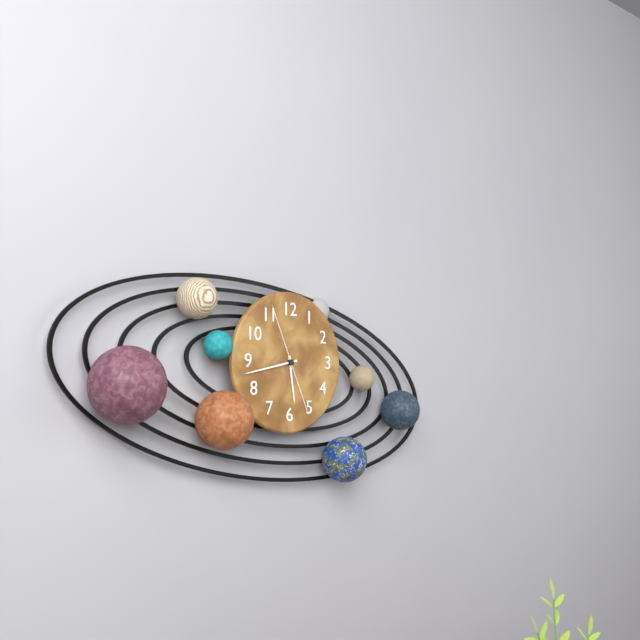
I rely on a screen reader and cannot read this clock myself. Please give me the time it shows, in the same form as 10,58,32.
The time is 5,43,56
